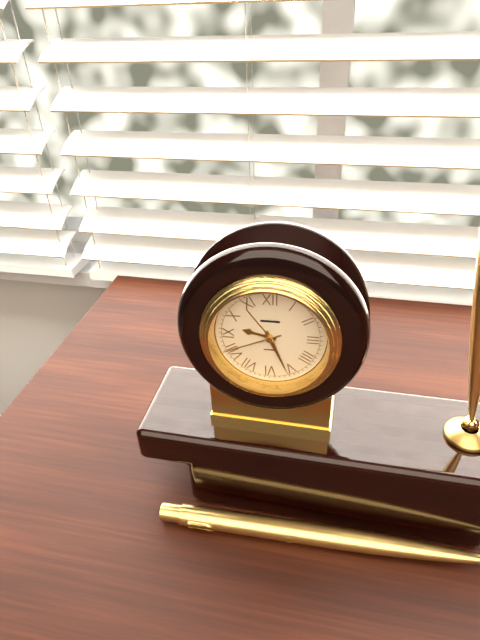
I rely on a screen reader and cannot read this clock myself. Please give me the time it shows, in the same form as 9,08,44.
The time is 9,26,41
